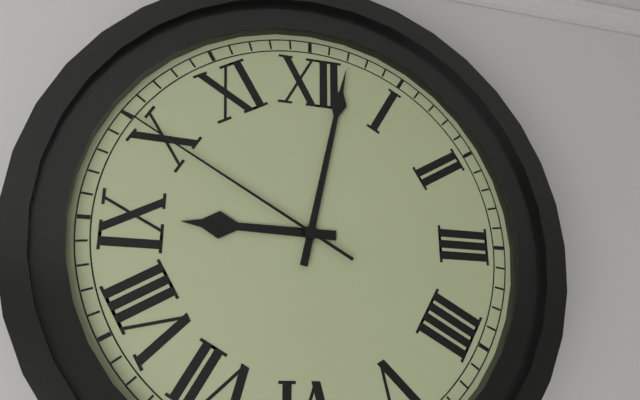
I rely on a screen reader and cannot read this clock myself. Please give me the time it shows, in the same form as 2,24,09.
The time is 9,02,50
